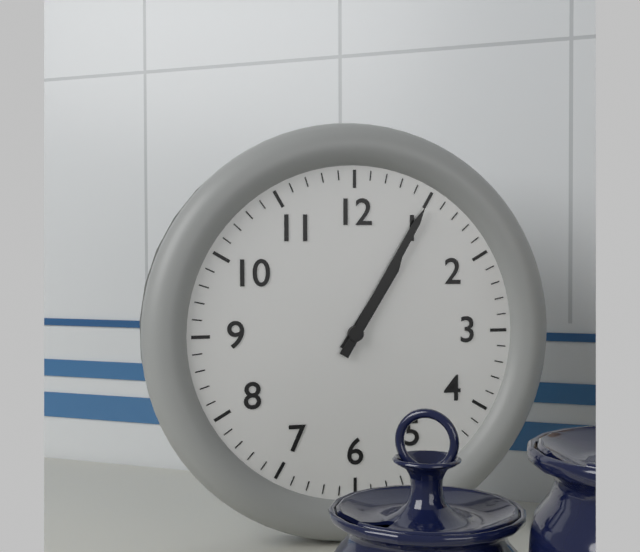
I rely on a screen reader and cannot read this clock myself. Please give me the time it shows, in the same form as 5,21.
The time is 1,05
